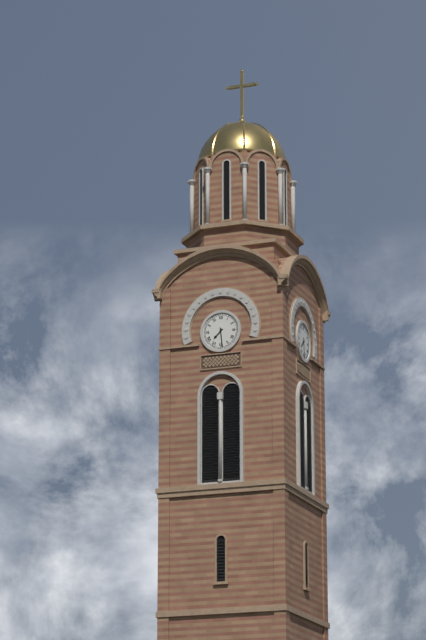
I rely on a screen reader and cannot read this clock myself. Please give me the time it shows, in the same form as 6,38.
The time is 7,29
